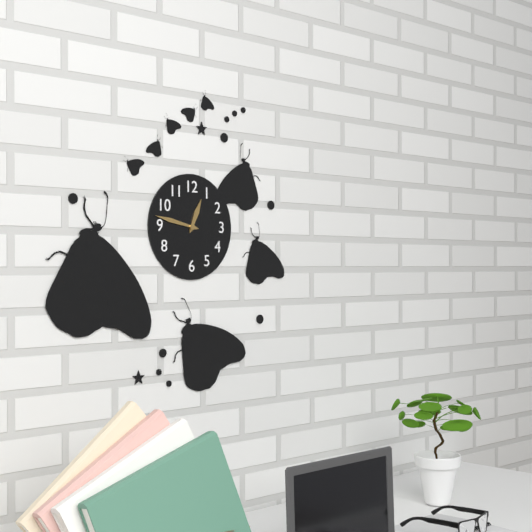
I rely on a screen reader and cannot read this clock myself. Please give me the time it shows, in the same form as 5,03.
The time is 12,47
